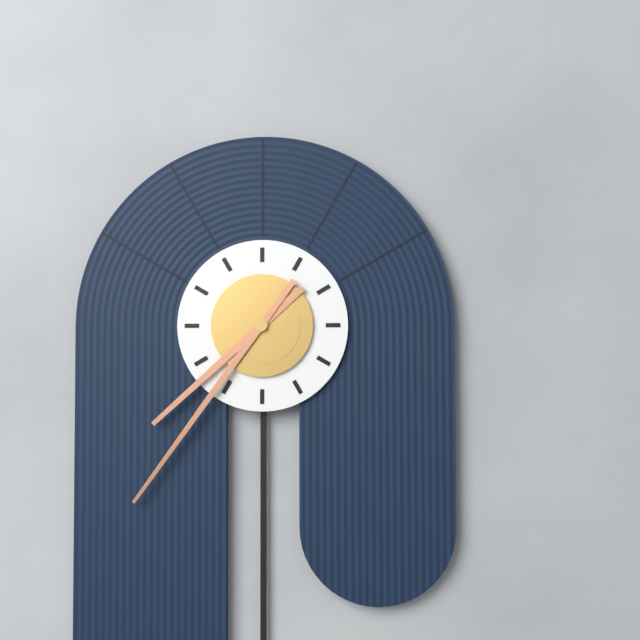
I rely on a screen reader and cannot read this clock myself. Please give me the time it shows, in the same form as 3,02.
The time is 7,36
